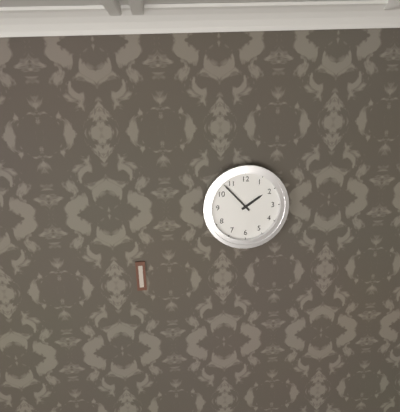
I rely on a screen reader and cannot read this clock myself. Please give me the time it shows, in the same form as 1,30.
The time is 1,53
